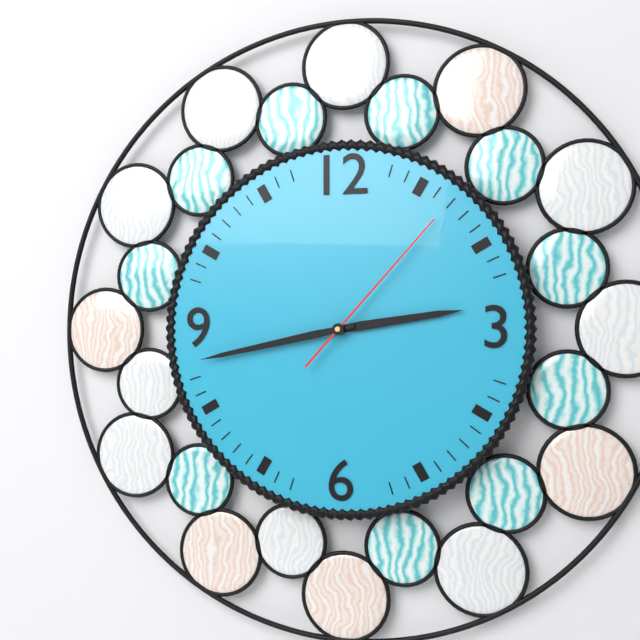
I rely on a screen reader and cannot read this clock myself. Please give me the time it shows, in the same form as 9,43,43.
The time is 2,43,07
